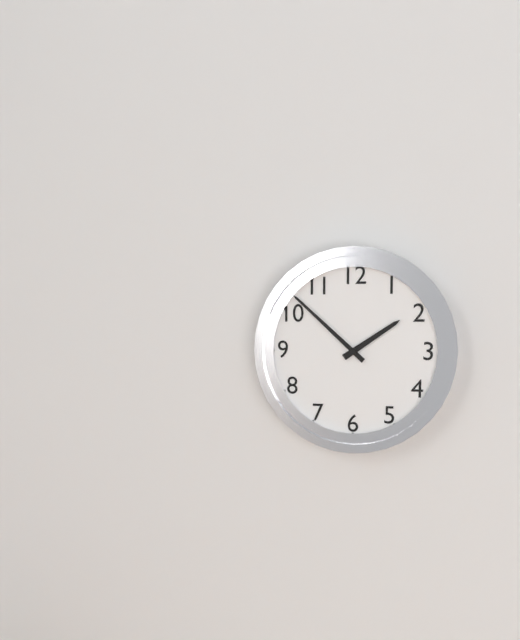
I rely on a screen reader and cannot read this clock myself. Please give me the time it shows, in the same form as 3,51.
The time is 1,52
